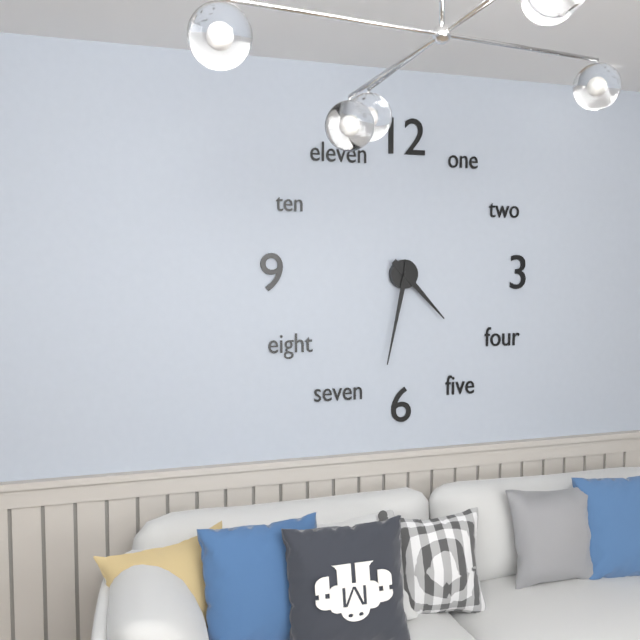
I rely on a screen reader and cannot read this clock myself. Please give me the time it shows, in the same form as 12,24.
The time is 4,32
